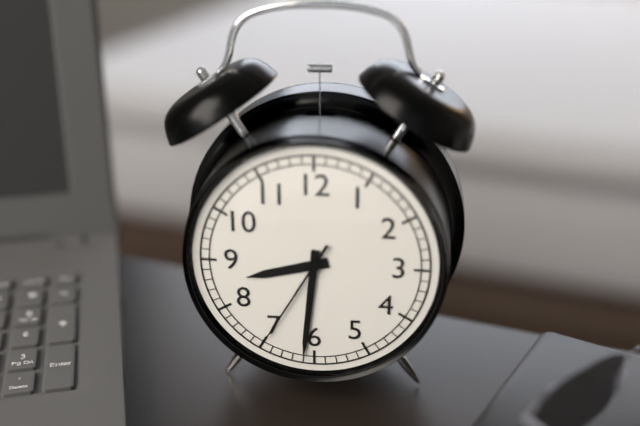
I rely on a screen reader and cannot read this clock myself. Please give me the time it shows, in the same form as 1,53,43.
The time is 8,31,35
